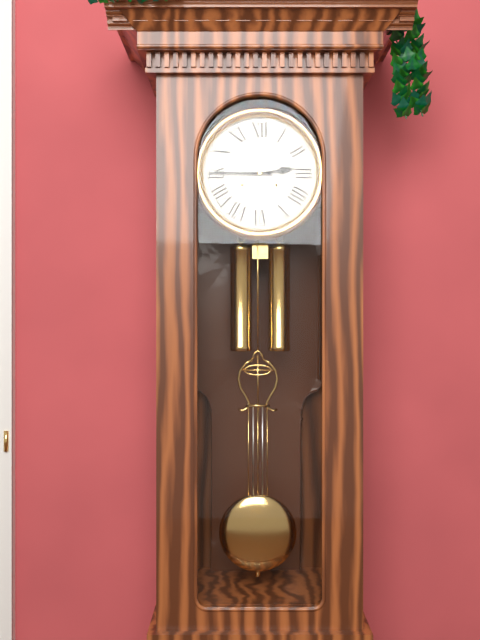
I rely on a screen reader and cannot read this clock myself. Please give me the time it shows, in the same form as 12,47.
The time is 2,45
